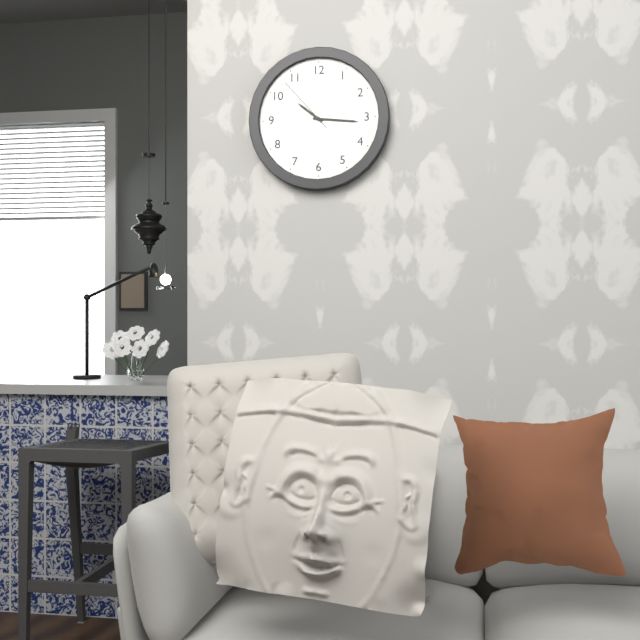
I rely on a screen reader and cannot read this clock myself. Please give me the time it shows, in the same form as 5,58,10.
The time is 10,16,53
